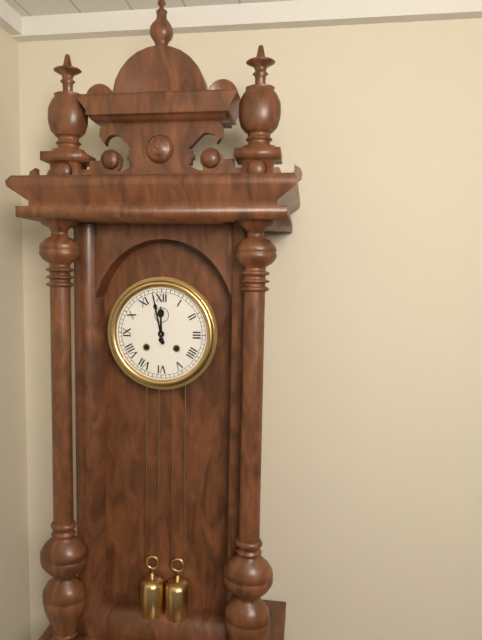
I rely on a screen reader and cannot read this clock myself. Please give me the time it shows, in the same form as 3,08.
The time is 11,58
